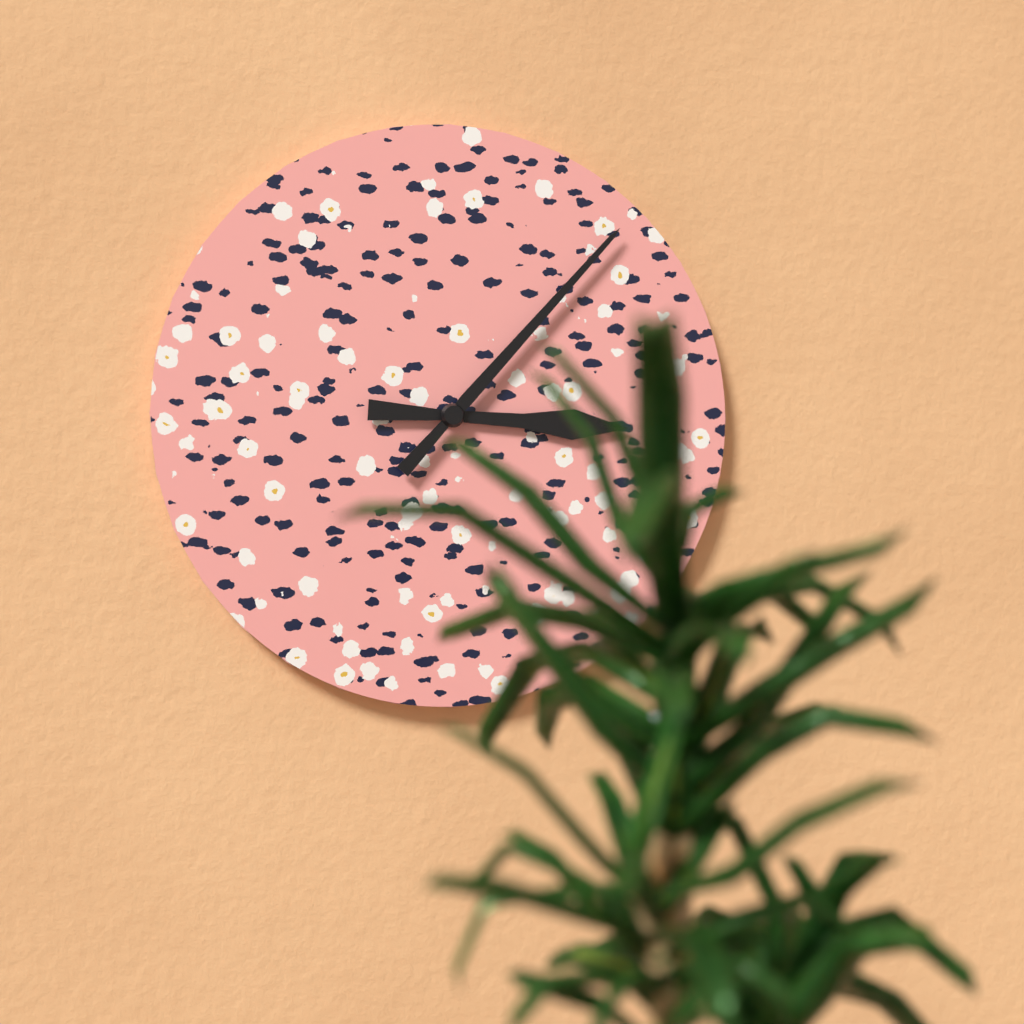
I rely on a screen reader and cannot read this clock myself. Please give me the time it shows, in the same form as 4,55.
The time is 3,07
